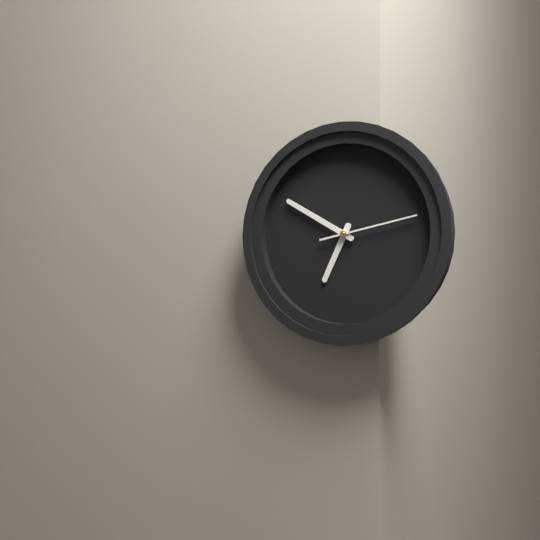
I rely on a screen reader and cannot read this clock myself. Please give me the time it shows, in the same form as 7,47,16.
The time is 6,50,13
